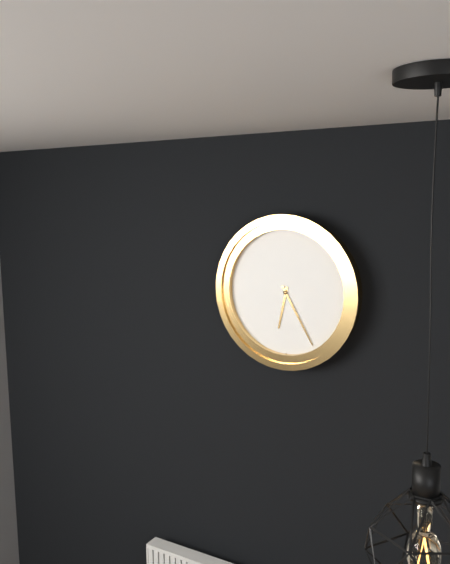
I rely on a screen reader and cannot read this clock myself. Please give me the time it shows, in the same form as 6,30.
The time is 6,25
